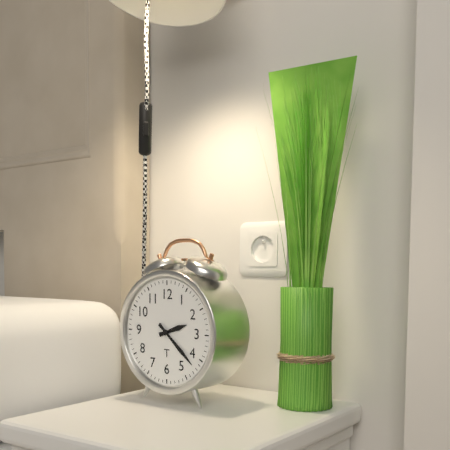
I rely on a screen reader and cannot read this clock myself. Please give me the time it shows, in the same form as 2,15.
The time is 2,22
